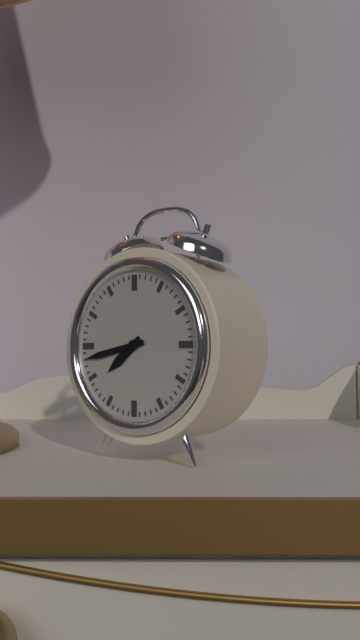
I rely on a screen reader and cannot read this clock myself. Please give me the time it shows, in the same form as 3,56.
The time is 7,43
